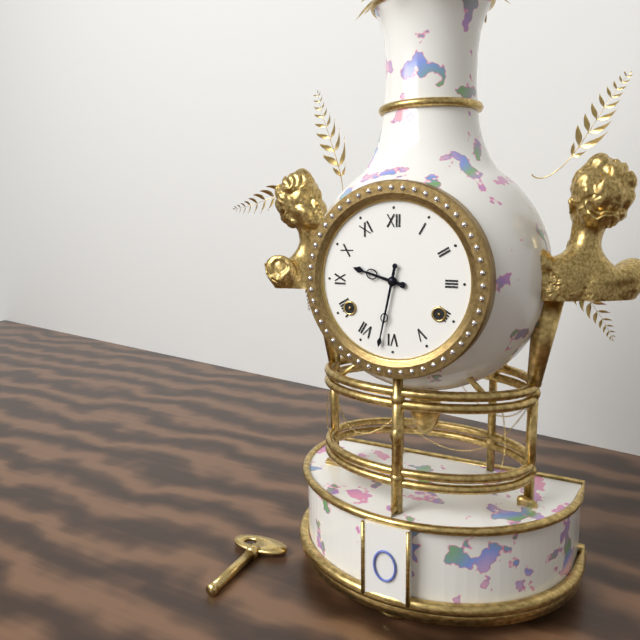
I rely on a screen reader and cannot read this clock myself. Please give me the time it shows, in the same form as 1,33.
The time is 9,32
